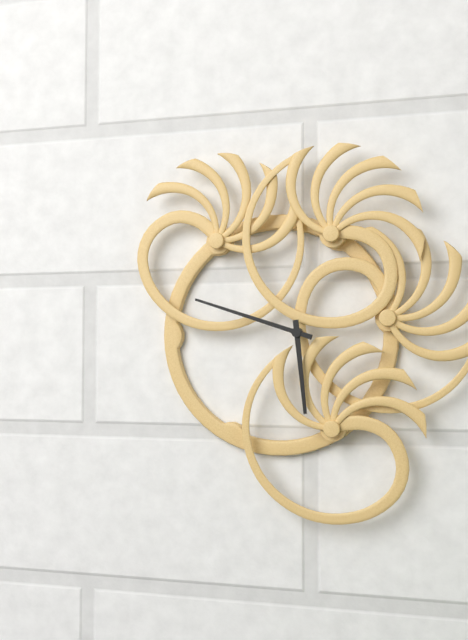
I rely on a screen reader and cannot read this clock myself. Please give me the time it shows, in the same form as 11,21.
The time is 5,48
